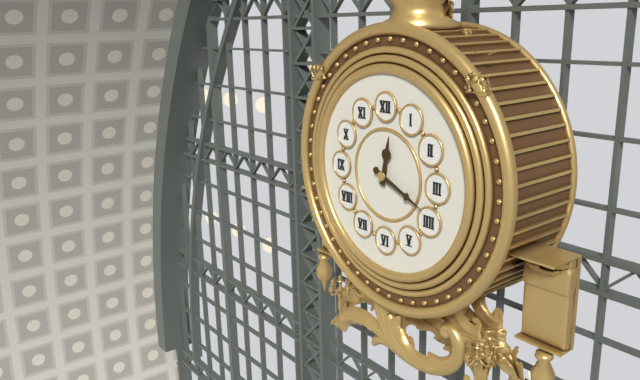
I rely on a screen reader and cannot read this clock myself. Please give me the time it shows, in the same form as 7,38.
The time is 12,19
